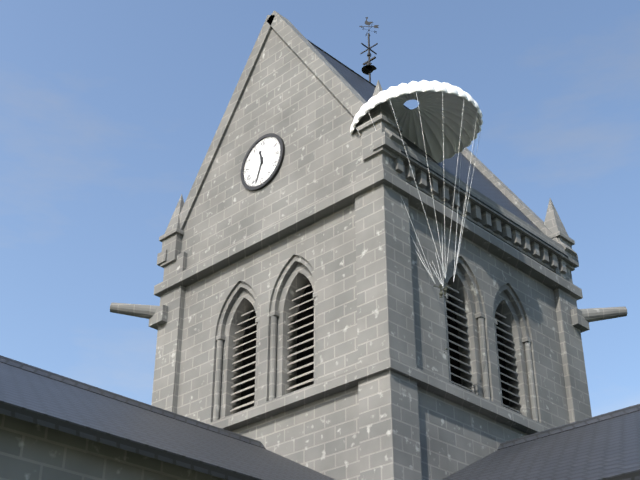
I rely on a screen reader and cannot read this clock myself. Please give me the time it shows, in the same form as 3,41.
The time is 11,33
